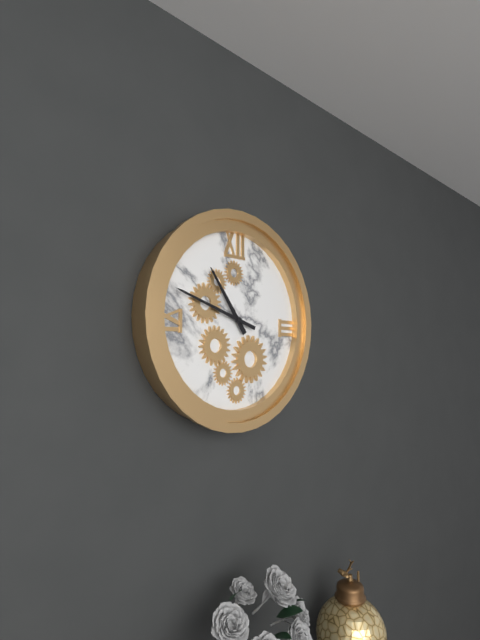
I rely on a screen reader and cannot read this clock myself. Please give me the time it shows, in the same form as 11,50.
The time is 10,48
